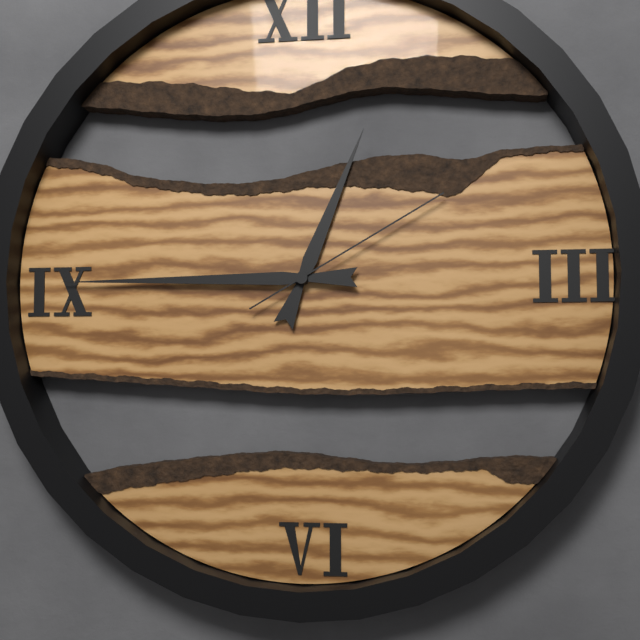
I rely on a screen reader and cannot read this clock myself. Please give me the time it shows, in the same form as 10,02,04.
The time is 12,45,10
